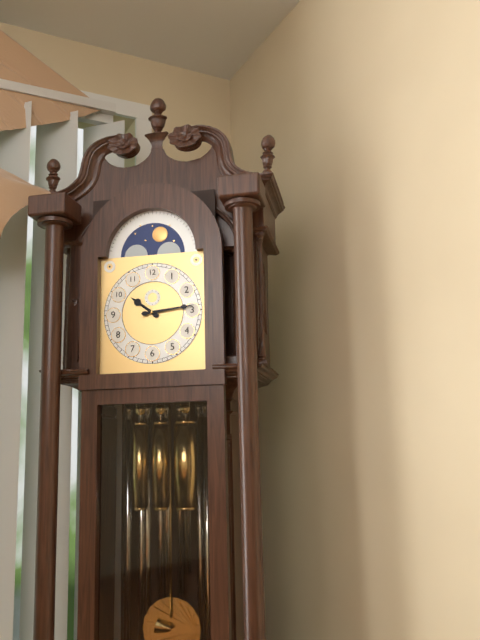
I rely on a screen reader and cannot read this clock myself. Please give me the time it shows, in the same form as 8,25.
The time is 10,14
